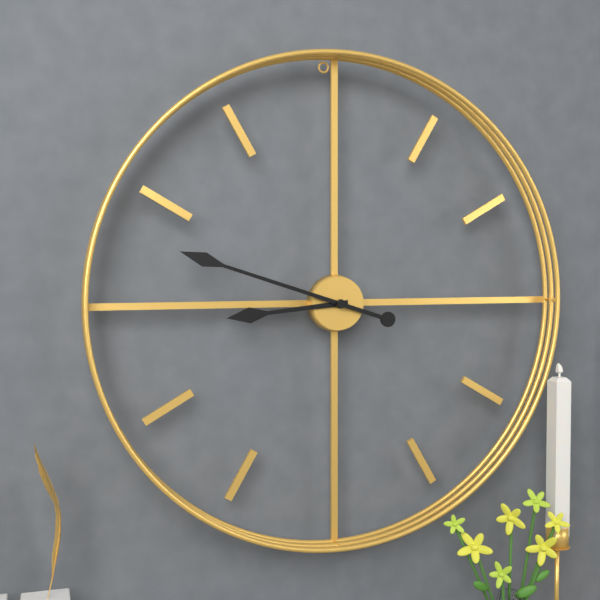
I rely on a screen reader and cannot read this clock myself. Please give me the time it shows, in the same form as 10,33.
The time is 8,48
